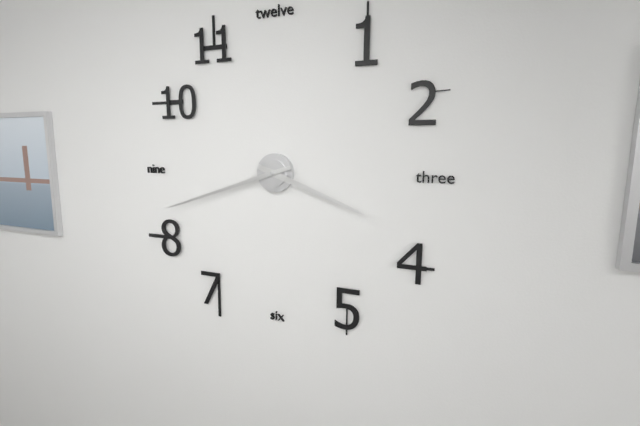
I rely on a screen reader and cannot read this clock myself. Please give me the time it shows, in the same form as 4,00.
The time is 3,42
